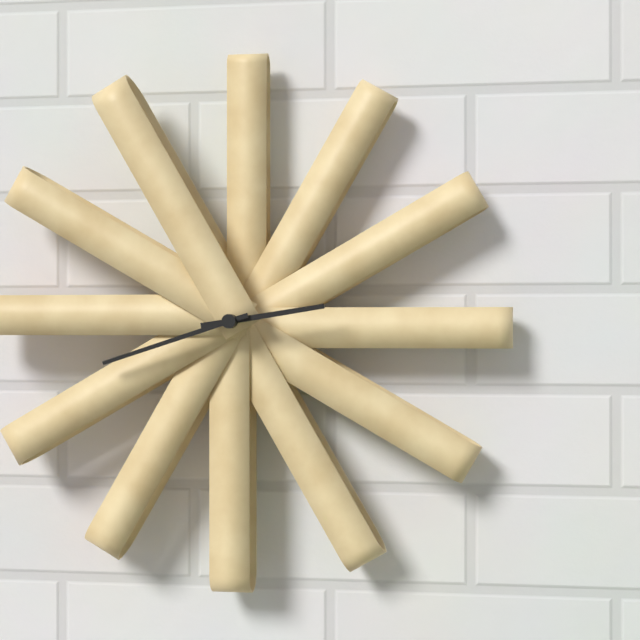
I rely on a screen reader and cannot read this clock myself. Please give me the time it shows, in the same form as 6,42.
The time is 2,42
